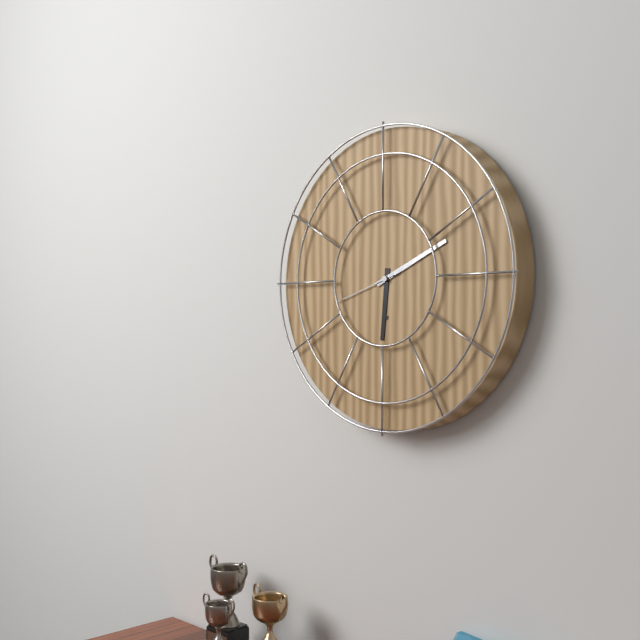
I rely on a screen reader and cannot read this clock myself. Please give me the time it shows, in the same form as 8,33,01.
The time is 6,11,42
